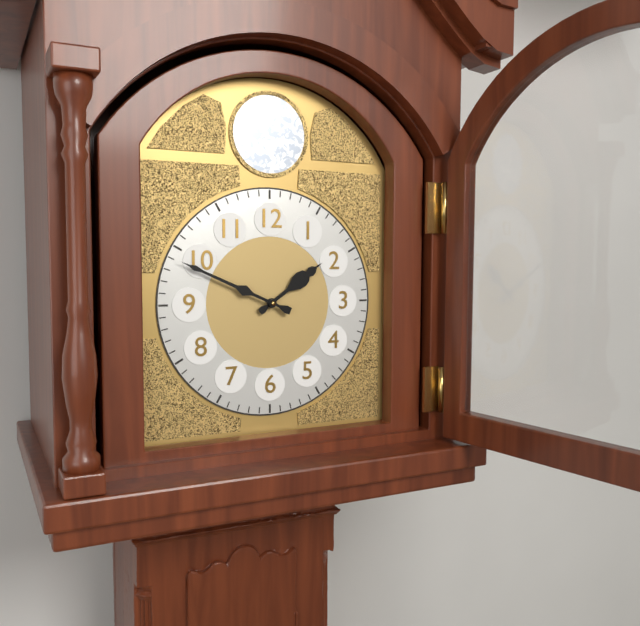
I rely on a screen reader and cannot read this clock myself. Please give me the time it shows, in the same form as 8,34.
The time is 1,49
